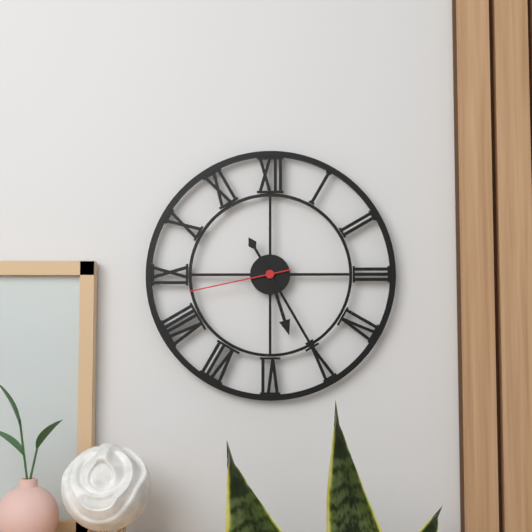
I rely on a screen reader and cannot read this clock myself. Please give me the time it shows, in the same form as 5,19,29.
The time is 5,25,43
